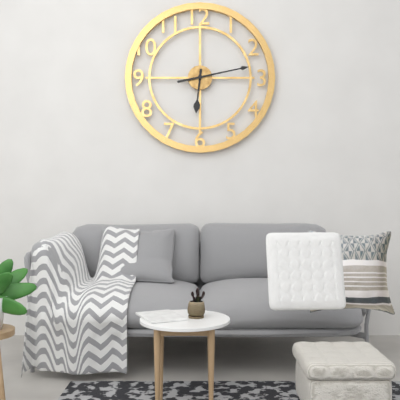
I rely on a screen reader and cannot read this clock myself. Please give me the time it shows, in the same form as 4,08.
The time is 6,13
